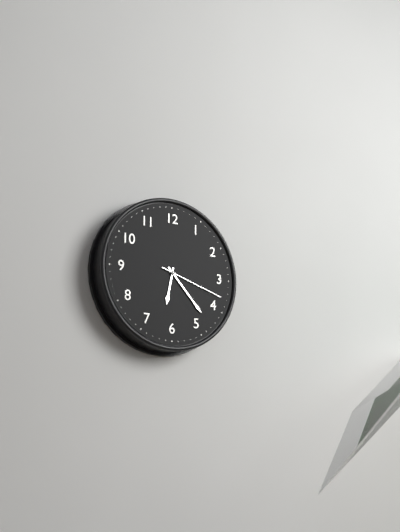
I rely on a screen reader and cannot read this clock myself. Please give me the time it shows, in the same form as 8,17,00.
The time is 6,23,18
